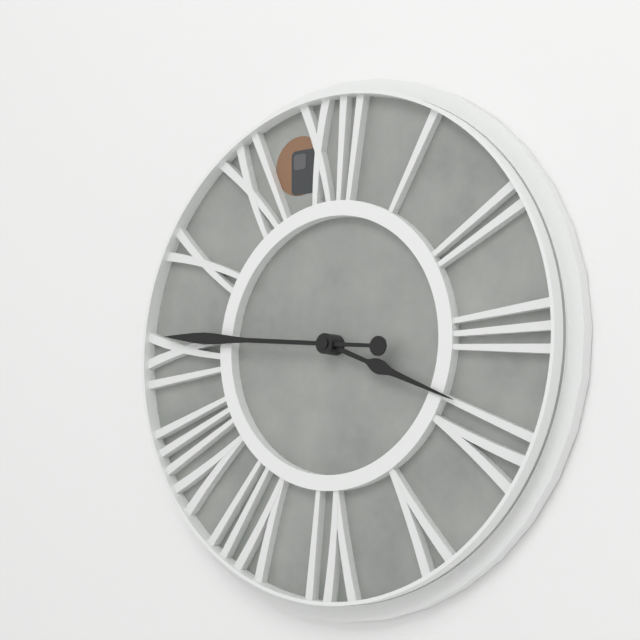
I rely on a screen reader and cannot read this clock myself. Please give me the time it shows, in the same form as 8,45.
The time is 3,46
